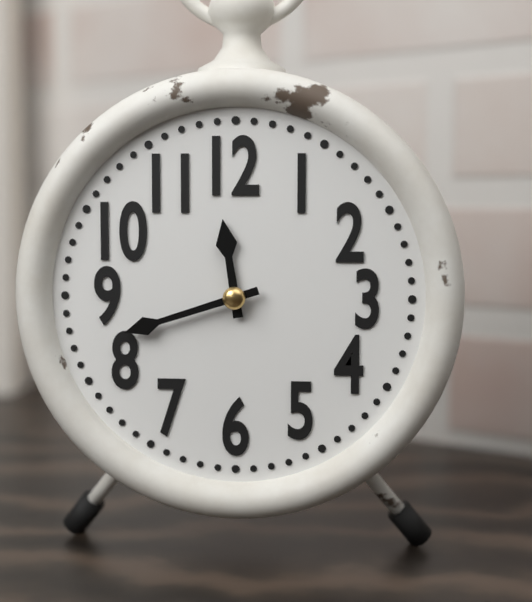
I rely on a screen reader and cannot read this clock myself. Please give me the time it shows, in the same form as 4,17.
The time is 11,42
